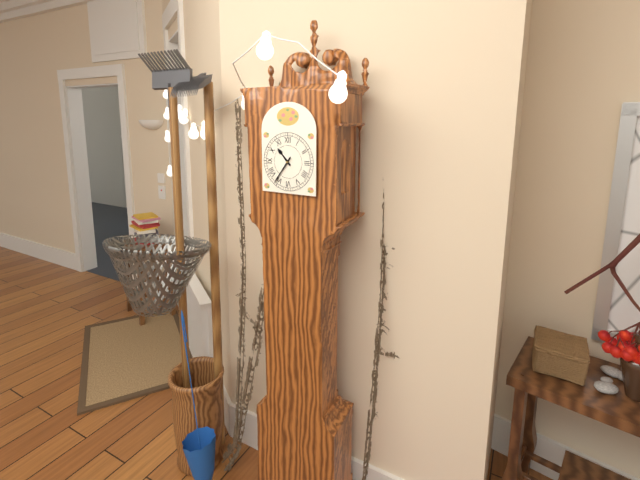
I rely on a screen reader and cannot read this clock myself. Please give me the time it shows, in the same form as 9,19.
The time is 10,36
